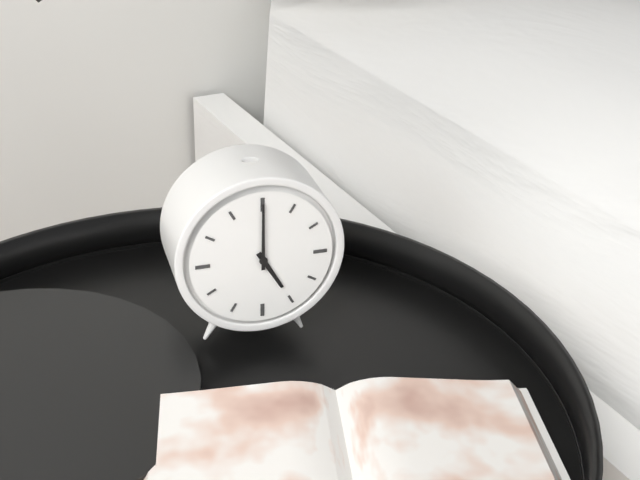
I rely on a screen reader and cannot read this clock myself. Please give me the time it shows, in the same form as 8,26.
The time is 5,00
